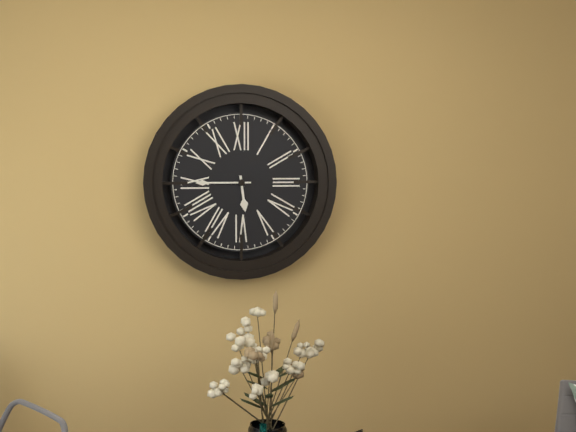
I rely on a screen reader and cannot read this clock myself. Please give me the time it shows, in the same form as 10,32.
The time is 5,45
